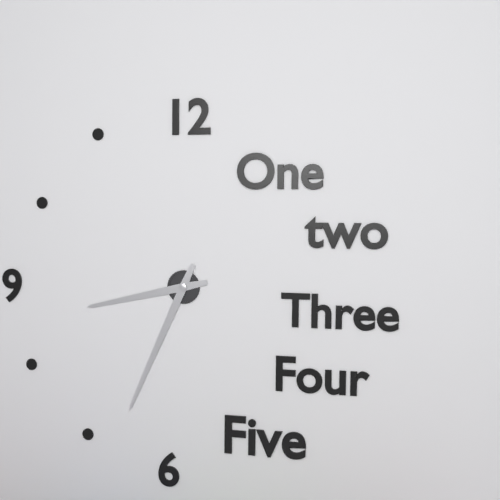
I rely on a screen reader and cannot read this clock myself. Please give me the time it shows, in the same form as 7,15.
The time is 8,34
